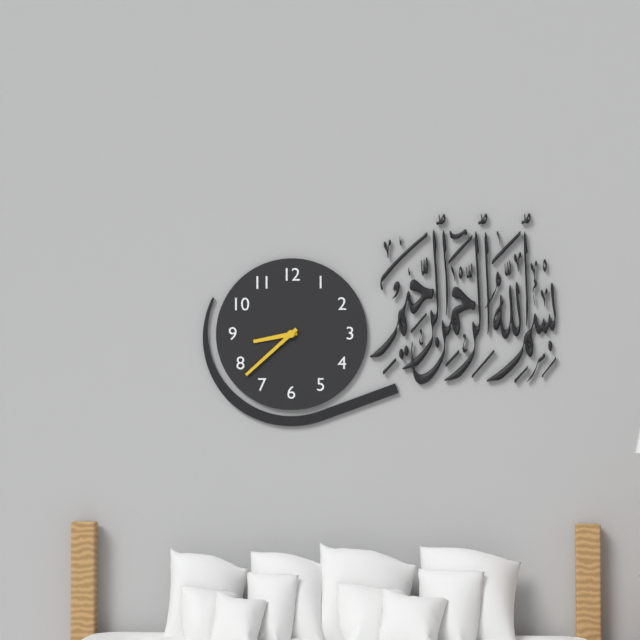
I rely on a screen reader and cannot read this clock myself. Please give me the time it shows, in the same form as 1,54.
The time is 8,38
